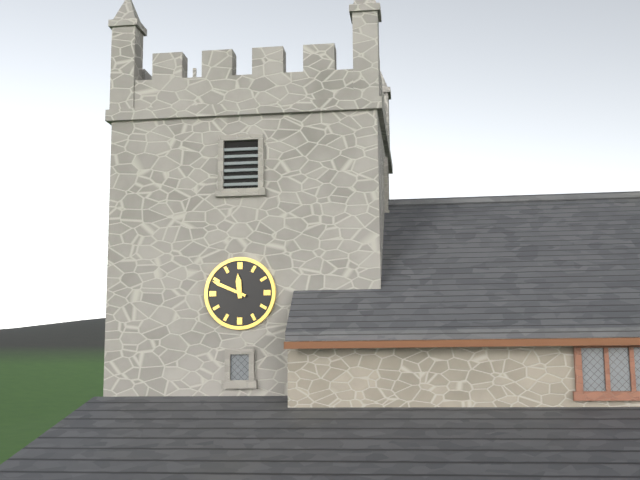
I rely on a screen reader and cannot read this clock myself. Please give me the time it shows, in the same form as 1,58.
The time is 11,49
